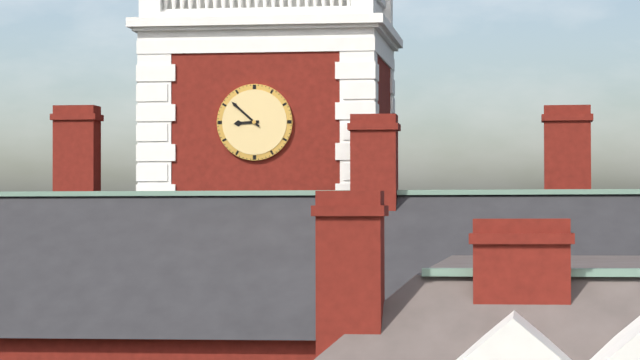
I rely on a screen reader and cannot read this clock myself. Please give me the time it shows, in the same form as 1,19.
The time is 8,52
